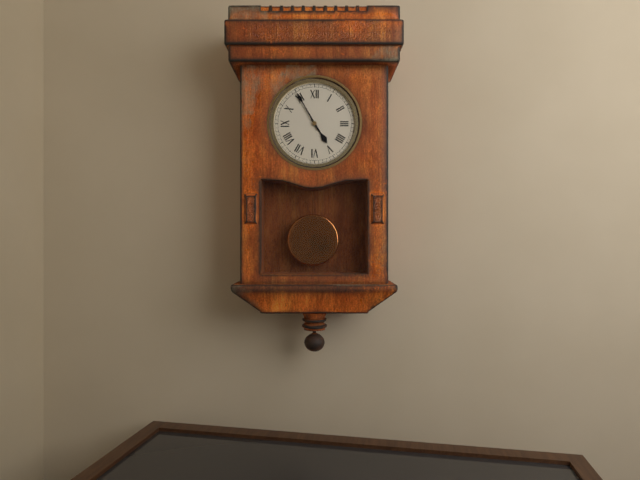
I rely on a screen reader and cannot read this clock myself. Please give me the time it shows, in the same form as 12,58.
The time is 4,55
